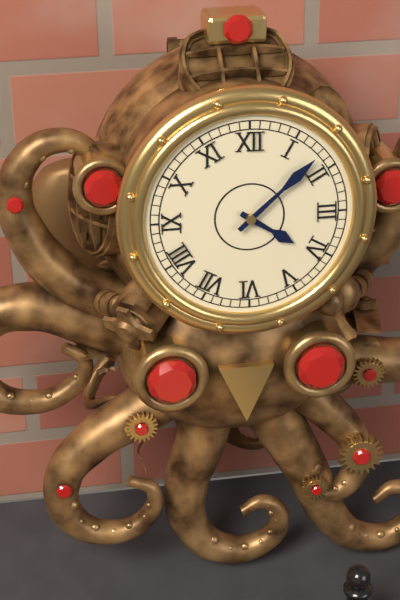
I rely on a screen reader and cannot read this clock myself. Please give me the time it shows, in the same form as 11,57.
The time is 4,08
